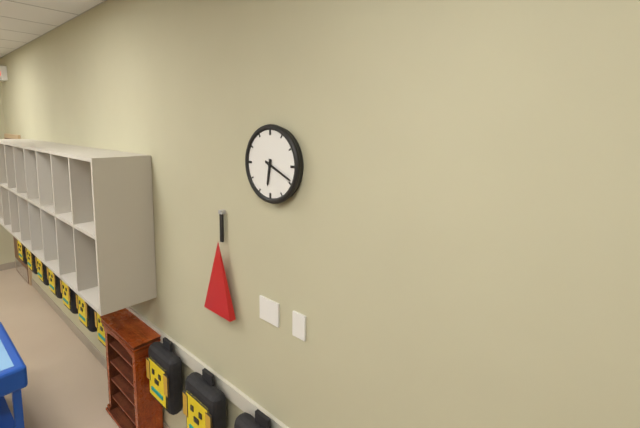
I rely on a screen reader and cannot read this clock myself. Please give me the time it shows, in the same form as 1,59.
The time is 6,19
